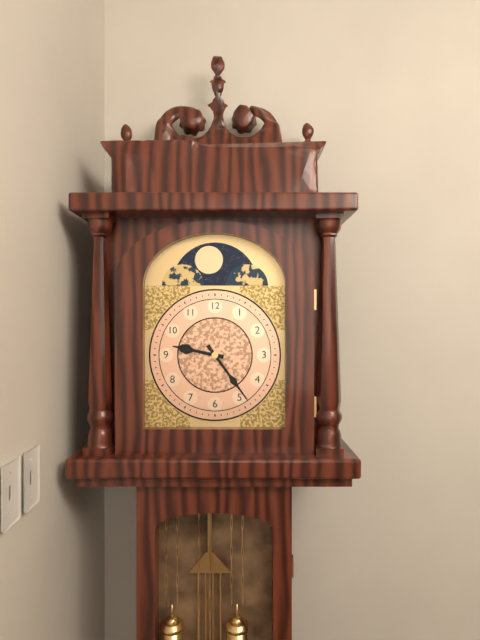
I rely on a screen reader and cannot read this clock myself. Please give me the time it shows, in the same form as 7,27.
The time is 9,24
